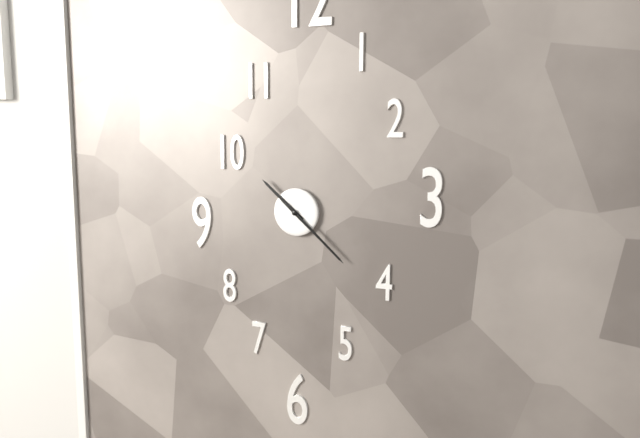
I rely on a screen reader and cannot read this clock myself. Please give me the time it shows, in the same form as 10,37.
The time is 10,22
